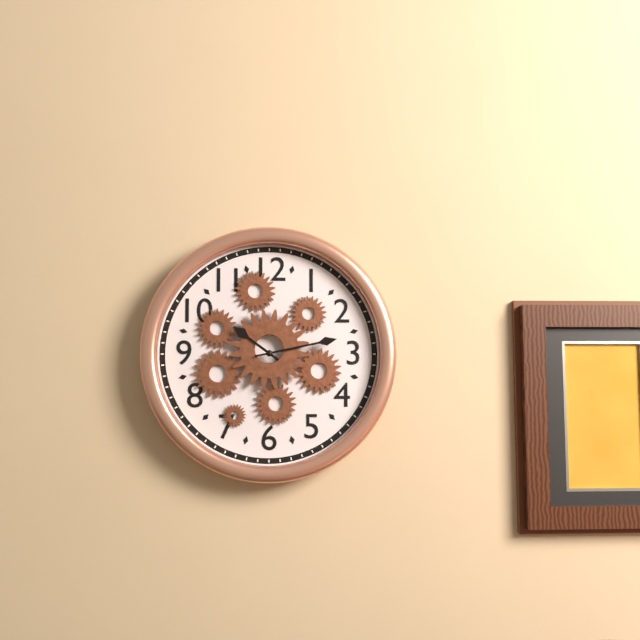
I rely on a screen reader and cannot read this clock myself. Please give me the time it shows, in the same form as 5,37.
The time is 10,13
